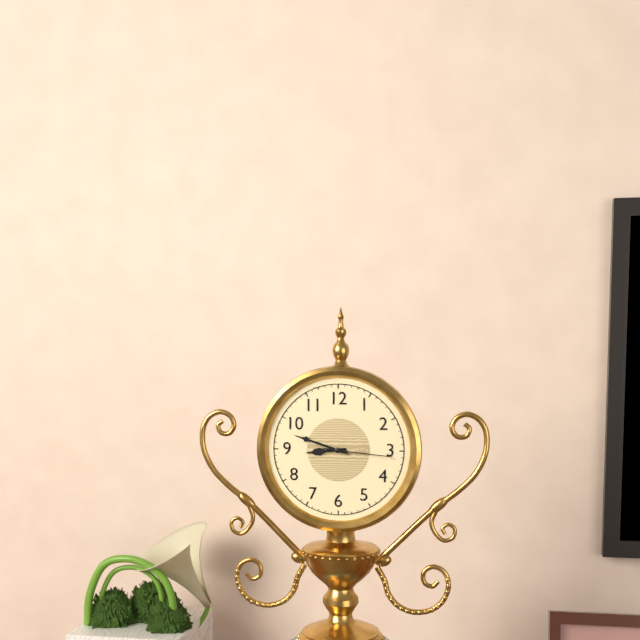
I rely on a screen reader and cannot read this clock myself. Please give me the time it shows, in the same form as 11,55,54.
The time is 8,48,16
